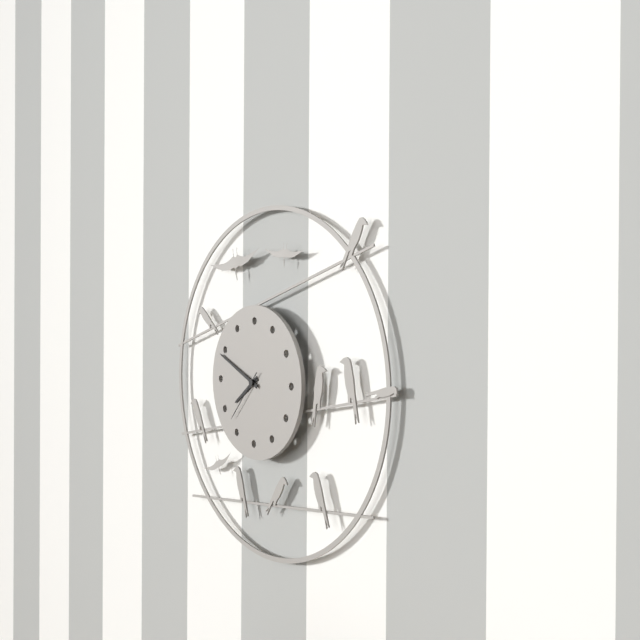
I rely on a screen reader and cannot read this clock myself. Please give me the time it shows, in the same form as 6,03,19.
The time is 7,49,37
